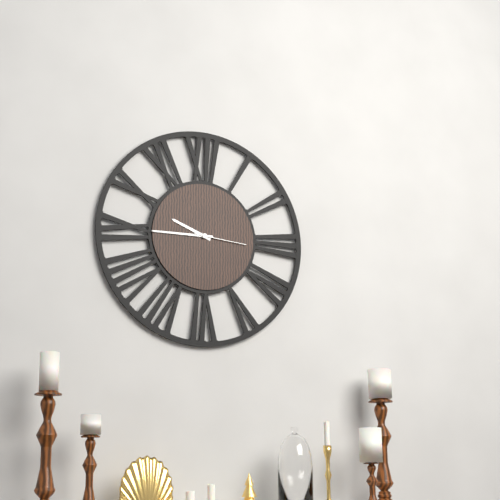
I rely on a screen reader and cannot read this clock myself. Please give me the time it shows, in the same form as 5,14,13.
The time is 9,45,16
